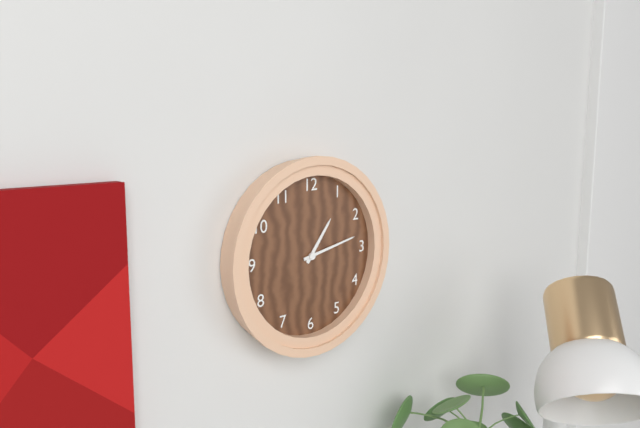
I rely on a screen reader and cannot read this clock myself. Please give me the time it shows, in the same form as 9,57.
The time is 1,13
